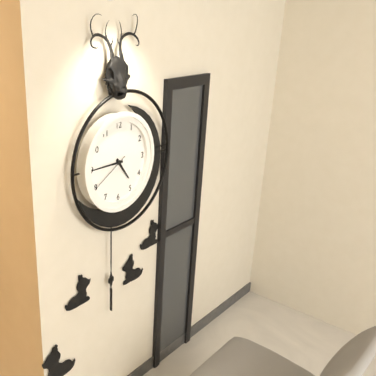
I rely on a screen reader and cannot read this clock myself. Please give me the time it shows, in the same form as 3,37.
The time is 4,45
